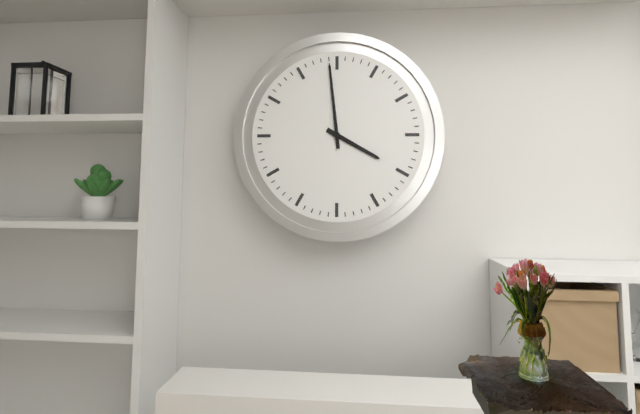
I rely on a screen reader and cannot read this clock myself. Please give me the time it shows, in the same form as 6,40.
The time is 3,59
